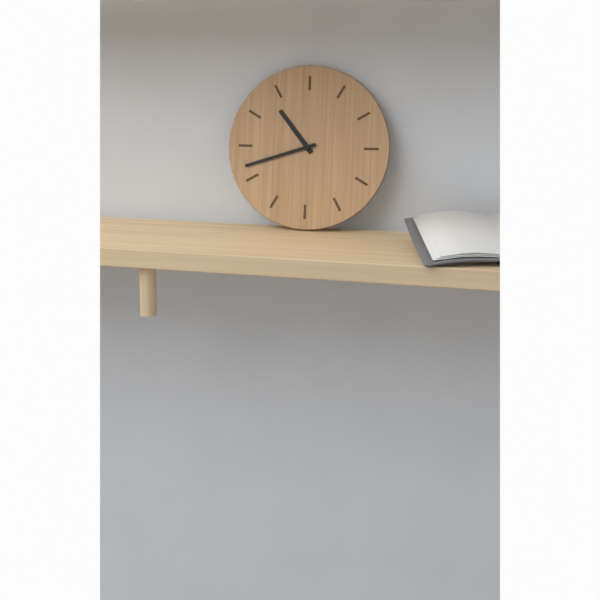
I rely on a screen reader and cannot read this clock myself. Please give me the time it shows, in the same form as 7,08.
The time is 10,42
